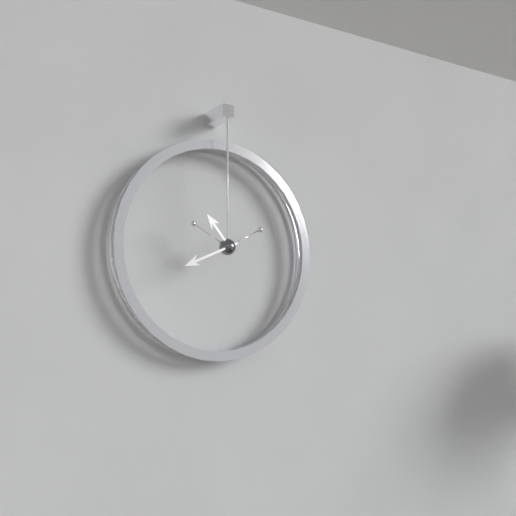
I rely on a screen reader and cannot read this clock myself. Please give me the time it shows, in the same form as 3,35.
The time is 10,41
